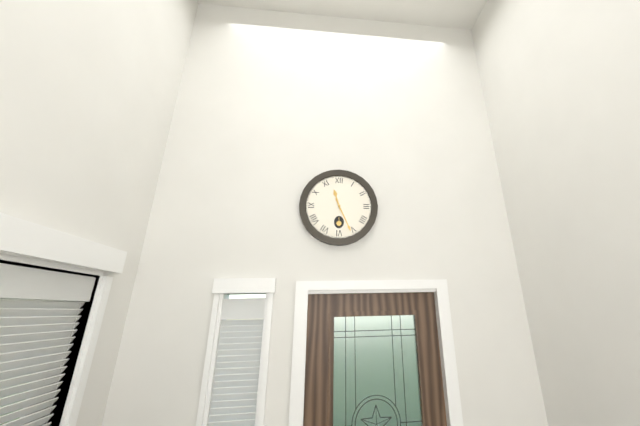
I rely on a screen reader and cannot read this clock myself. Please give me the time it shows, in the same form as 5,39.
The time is 11,26
